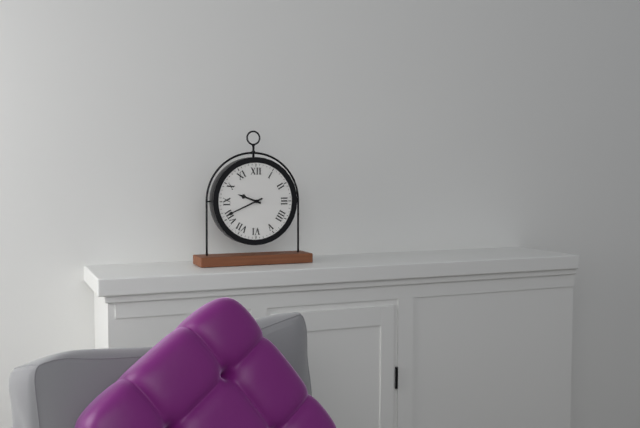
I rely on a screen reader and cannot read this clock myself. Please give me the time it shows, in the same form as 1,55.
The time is 9,41
